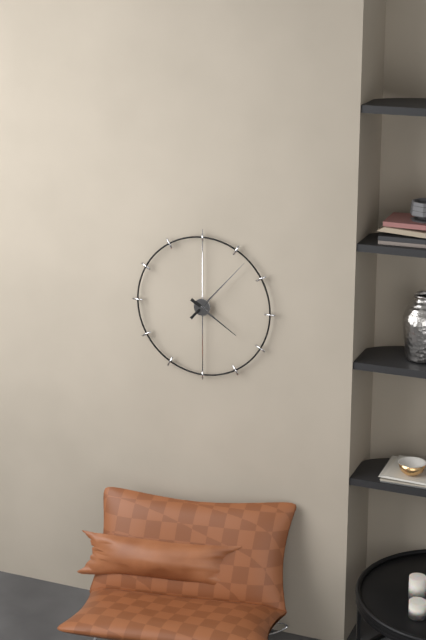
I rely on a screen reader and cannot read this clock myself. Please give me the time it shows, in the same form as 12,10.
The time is 4,07
